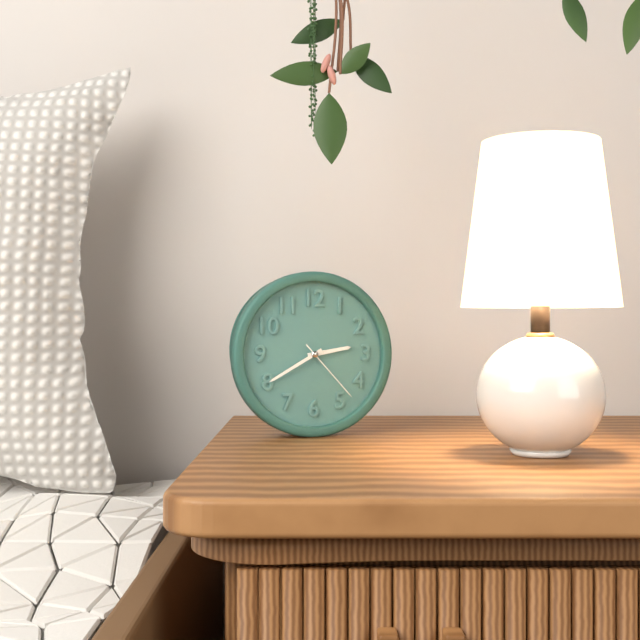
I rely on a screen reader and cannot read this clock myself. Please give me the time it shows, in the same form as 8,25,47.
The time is 2,40,23
